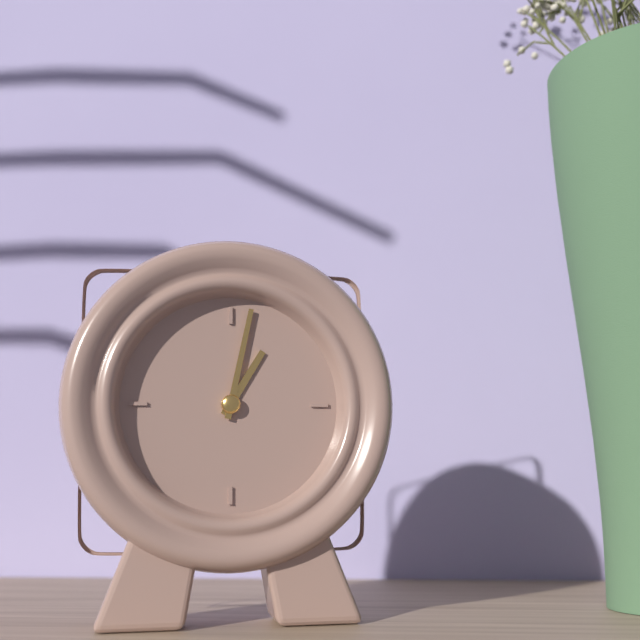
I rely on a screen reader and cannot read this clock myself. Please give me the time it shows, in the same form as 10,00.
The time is 1,02
